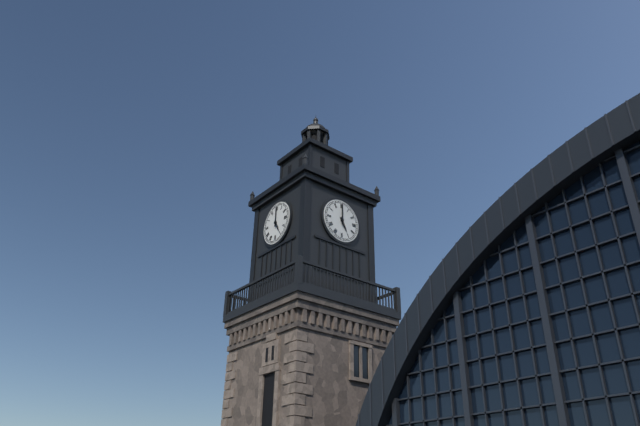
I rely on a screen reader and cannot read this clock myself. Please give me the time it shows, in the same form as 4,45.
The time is 5,00
